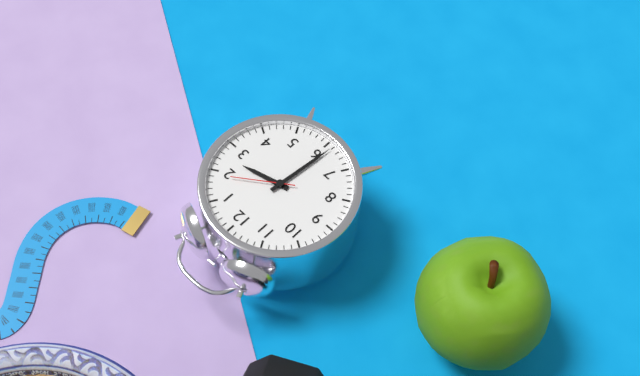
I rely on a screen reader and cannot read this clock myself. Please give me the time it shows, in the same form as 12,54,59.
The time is 2,31,09
